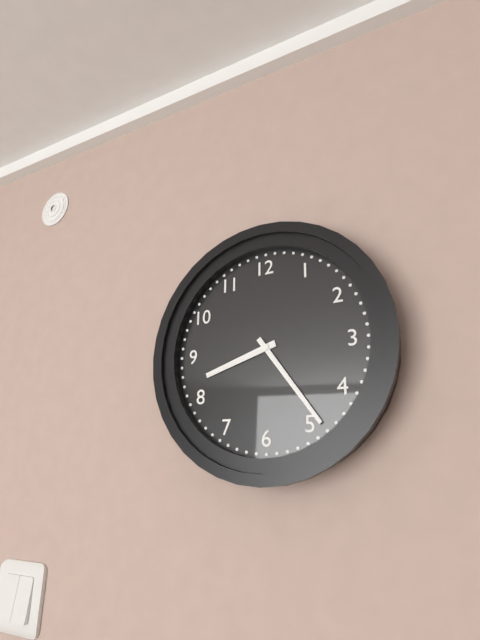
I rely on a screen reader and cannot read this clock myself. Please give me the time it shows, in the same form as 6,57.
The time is 8,24
